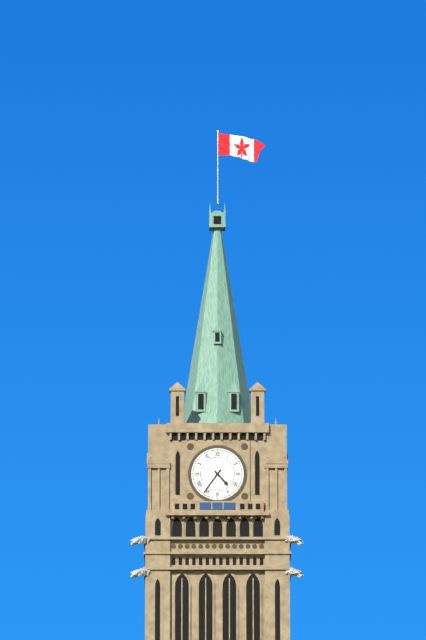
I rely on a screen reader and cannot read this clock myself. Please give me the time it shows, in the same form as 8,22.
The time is 4,36
